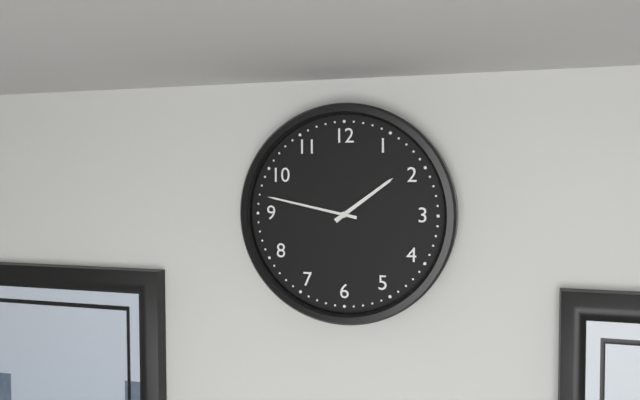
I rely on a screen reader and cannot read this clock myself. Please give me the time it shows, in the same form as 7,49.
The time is 1,47
